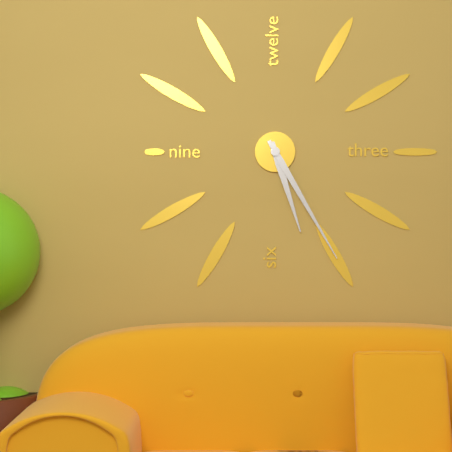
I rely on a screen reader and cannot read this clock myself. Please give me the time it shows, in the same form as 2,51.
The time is 5,25
